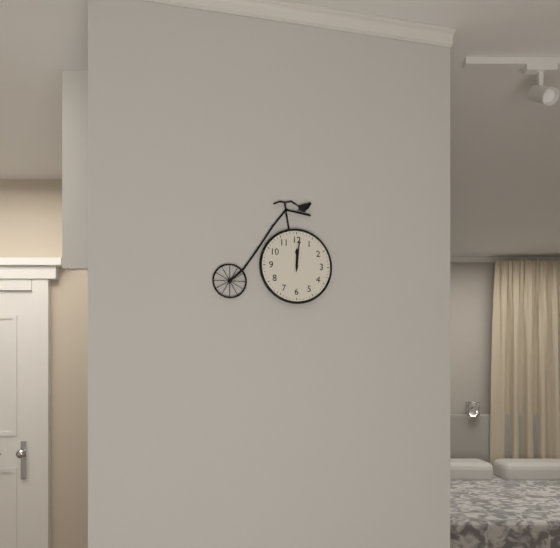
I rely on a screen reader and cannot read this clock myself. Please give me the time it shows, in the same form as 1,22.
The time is 12,01
